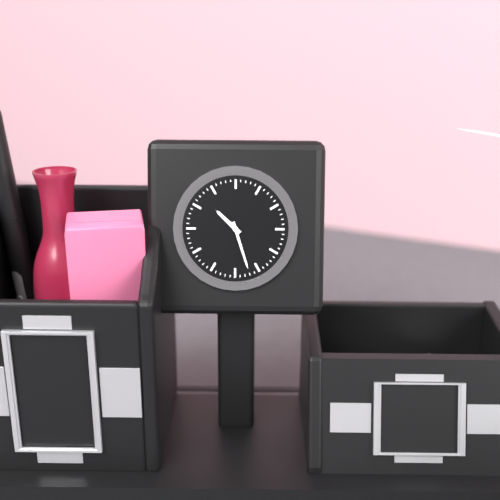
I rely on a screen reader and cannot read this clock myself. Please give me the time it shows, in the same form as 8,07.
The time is 10,27
